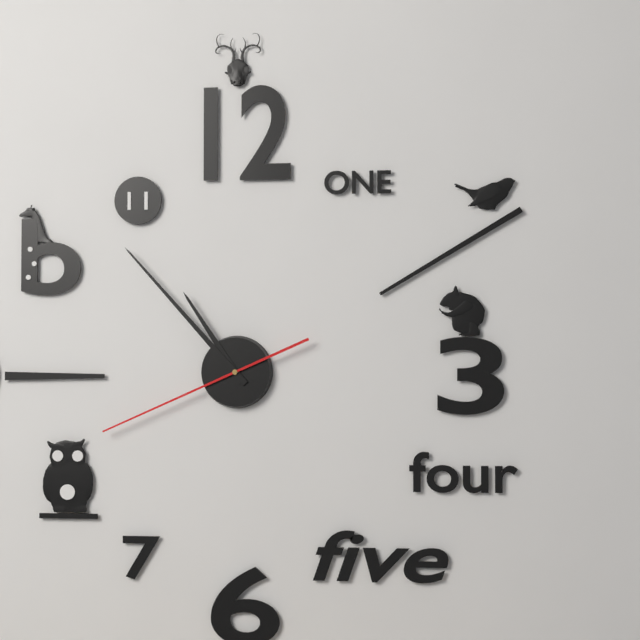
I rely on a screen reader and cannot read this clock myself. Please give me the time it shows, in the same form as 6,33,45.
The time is 10,53,41
